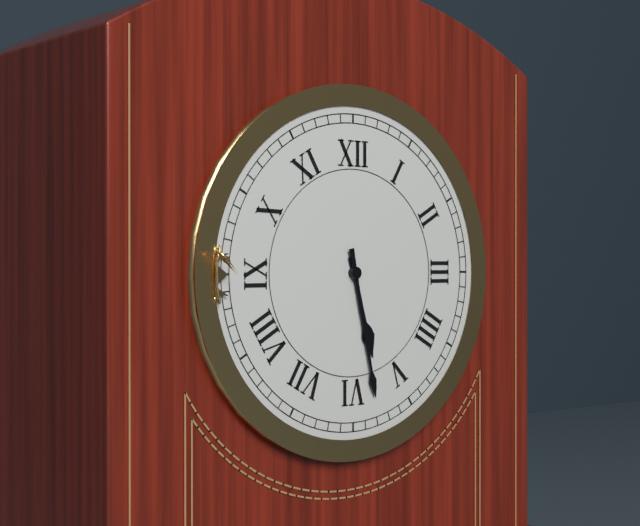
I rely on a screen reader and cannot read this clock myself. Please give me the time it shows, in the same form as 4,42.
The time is 5,28
